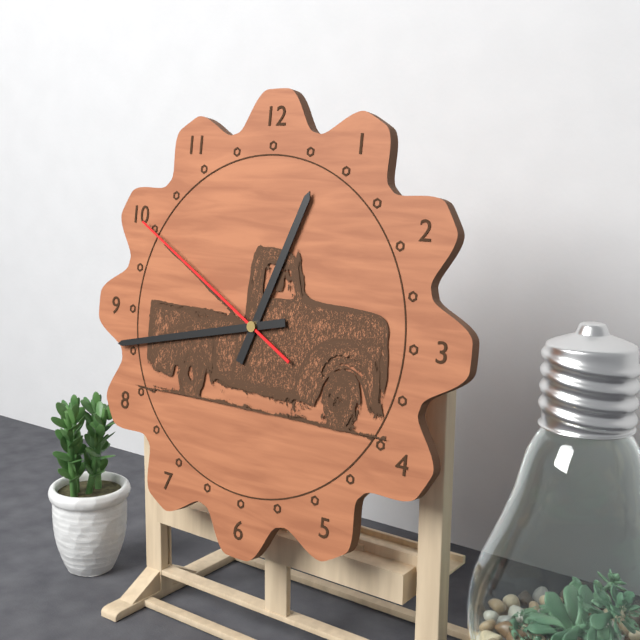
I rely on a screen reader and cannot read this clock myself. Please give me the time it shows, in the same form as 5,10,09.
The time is 12,43,50
